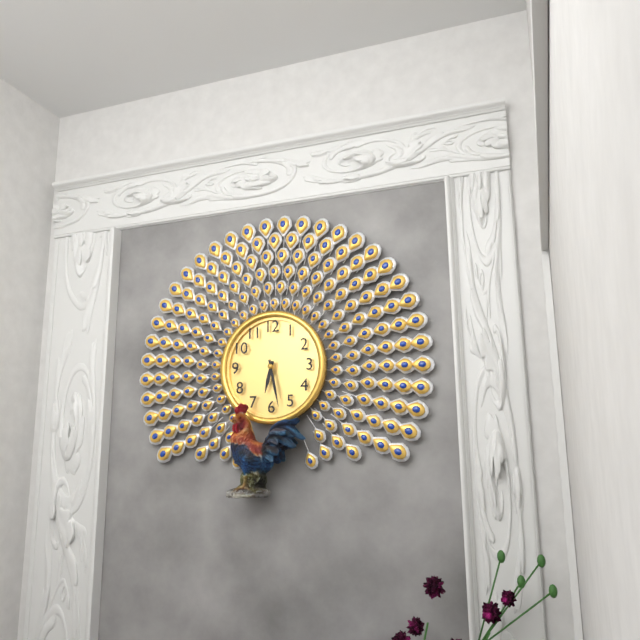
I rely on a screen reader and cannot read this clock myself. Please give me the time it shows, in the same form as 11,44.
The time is 6,28
